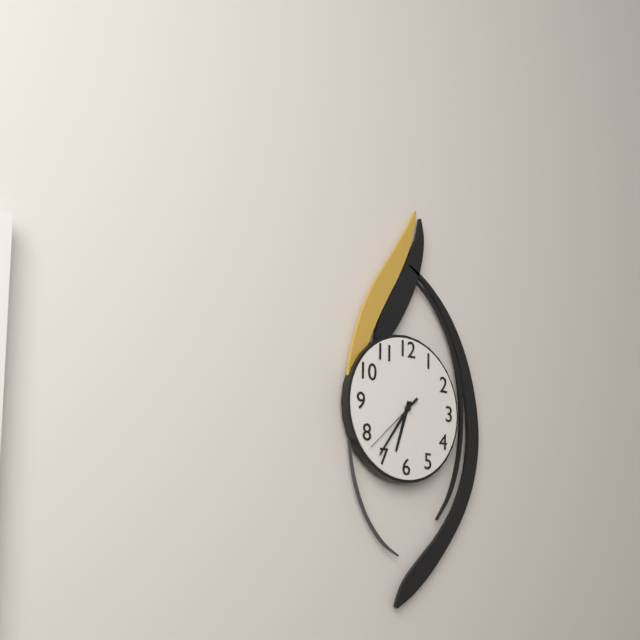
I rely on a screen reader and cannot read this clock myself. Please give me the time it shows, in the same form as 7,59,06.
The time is 6,36,38
